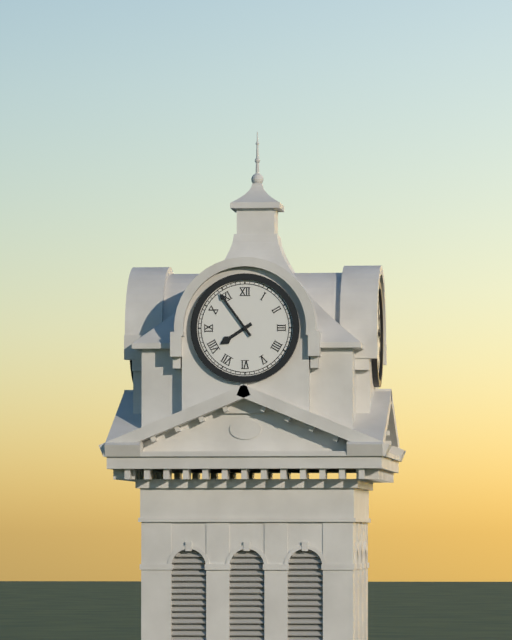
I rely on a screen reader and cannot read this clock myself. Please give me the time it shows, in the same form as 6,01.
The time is 7,54
